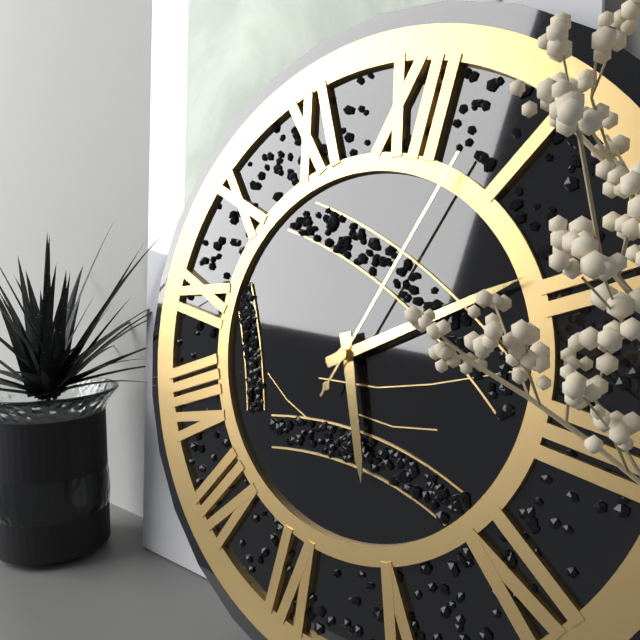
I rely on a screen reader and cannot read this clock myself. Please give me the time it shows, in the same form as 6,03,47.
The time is 5,09,03
